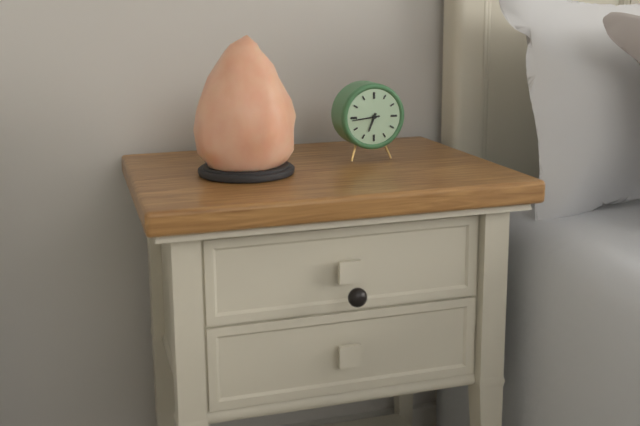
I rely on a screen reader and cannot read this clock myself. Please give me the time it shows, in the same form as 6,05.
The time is 6,44
